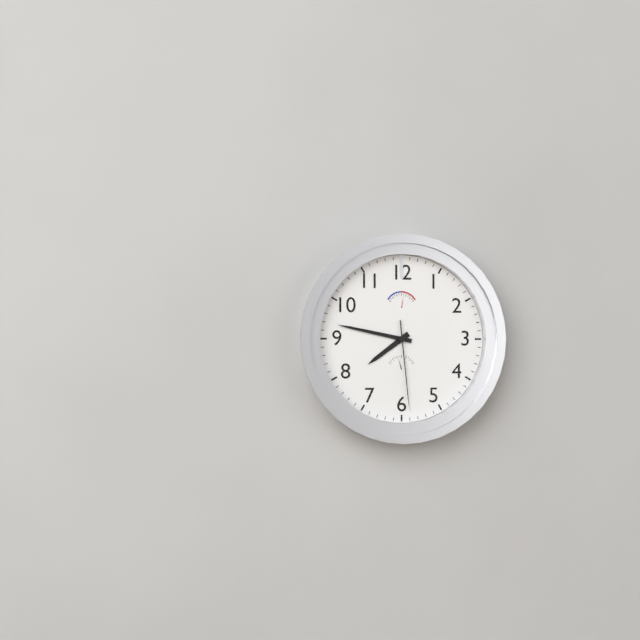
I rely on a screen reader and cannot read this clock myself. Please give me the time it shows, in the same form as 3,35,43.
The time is 7,47,29
